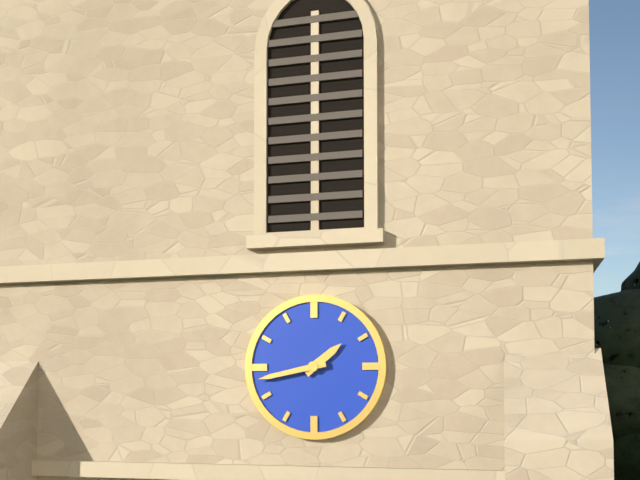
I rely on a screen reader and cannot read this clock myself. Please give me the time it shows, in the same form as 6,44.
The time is 1,43
